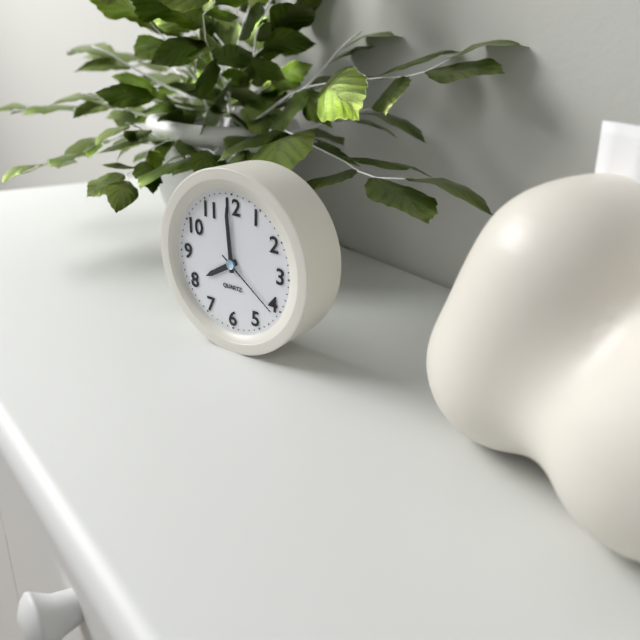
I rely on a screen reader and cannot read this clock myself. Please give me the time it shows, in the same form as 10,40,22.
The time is 7,59,21
